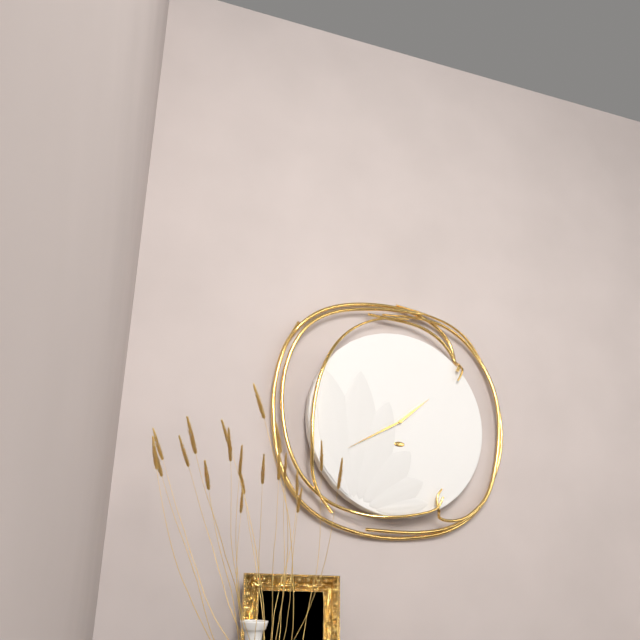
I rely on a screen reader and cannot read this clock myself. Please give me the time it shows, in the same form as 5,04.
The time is 1,40
